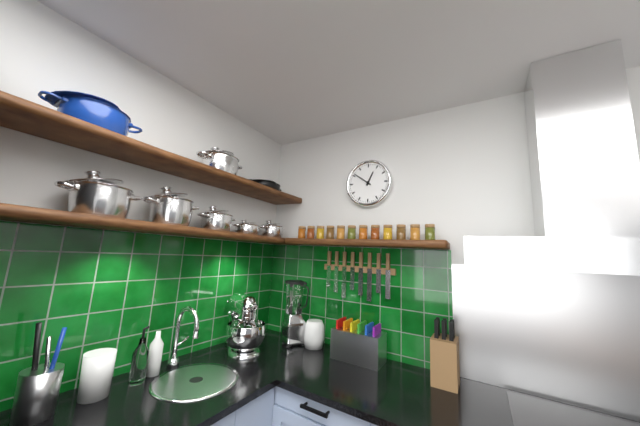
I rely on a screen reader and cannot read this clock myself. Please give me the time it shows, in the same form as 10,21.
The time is 12,51
